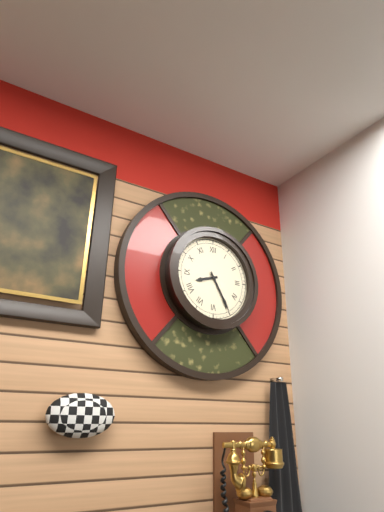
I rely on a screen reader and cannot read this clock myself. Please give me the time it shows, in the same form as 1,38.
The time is 8,25
